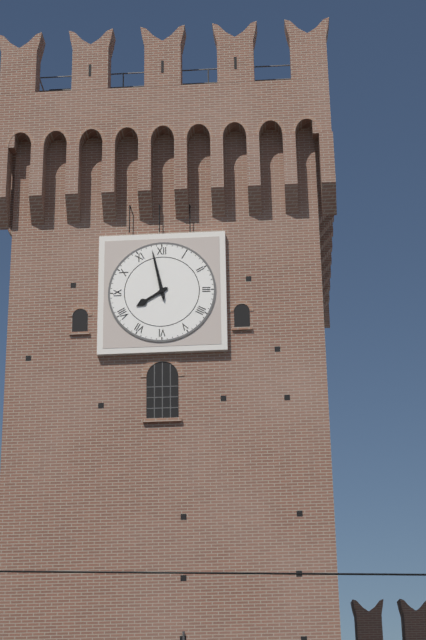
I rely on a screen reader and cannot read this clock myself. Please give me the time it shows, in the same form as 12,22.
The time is 7,58
